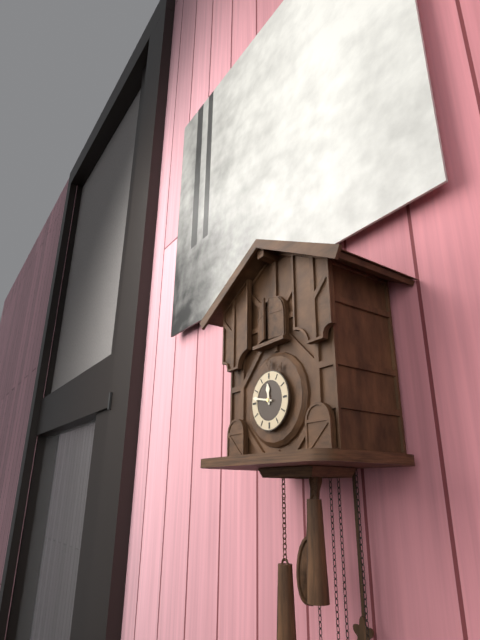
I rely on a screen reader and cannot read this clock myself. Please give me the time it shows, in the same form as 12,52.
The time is 11,47
